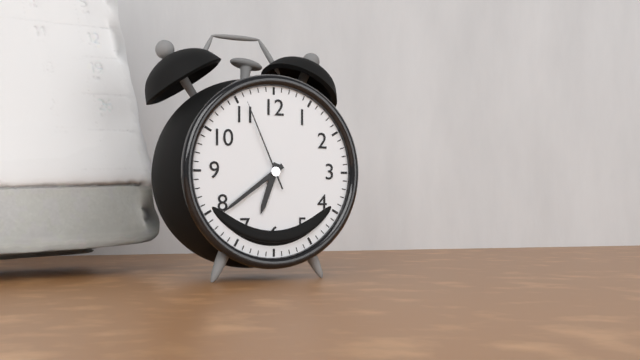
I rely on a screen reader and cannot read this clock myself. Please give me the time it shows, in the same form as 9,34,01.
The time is 6,39,56
